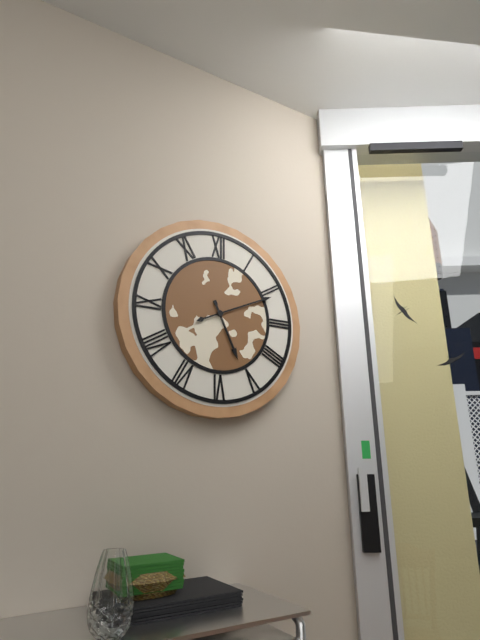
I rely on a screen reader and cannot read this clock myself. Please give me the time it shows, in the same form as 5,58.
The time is 5,11
